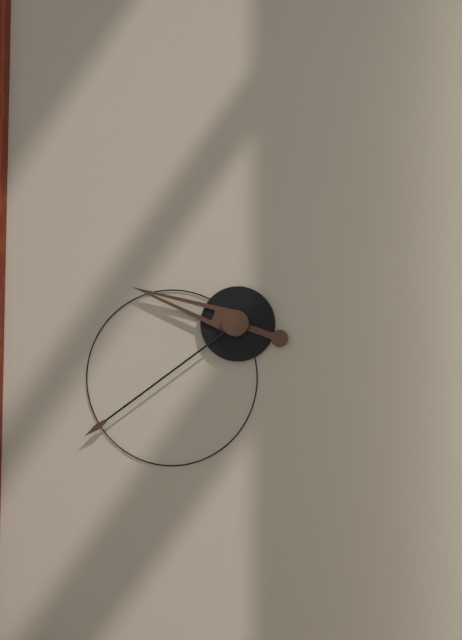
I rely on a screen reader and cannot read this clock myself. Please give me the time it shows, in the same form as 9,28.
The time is 9,39
